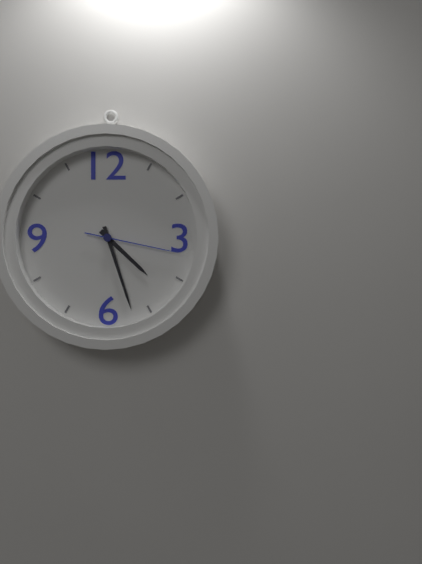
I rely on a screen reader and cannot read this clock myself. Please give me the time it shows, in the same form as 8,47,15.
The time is 4,27,17
